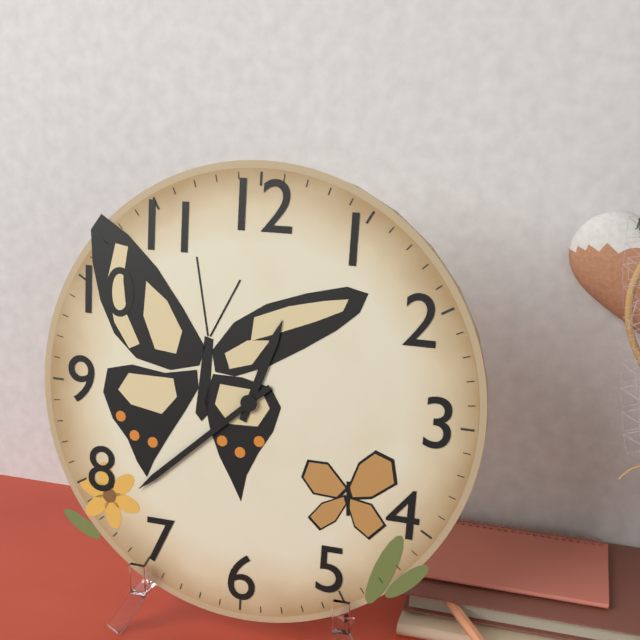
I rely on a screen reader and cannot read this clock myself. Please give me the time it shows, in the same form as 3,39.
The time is 12,38
